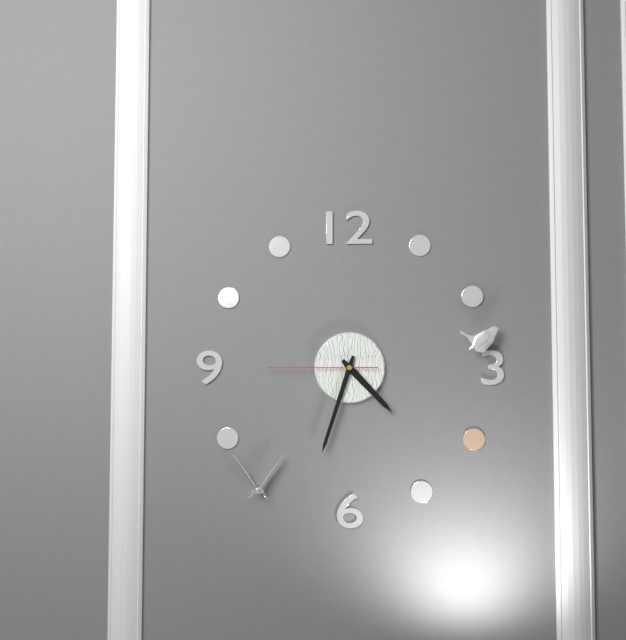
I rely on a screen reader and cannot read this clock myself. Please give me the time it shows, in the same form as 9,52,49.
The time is 4,33,45
